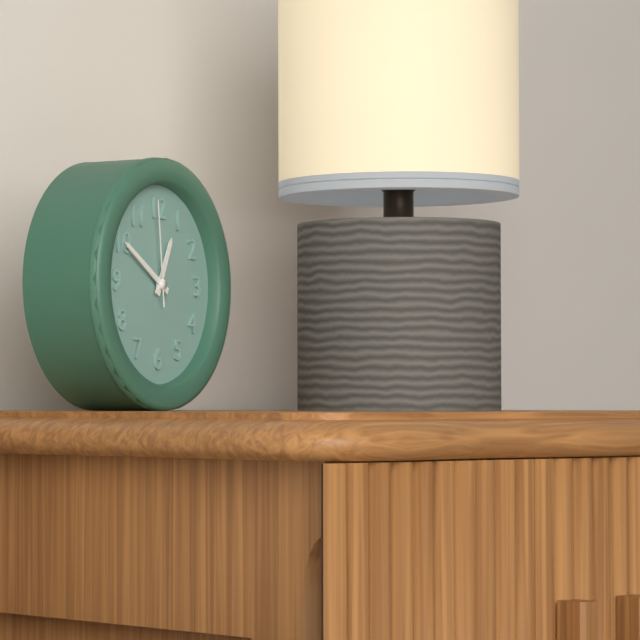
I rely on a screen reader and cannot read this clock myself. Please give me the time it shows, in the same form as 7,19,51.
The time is 12,50,59
